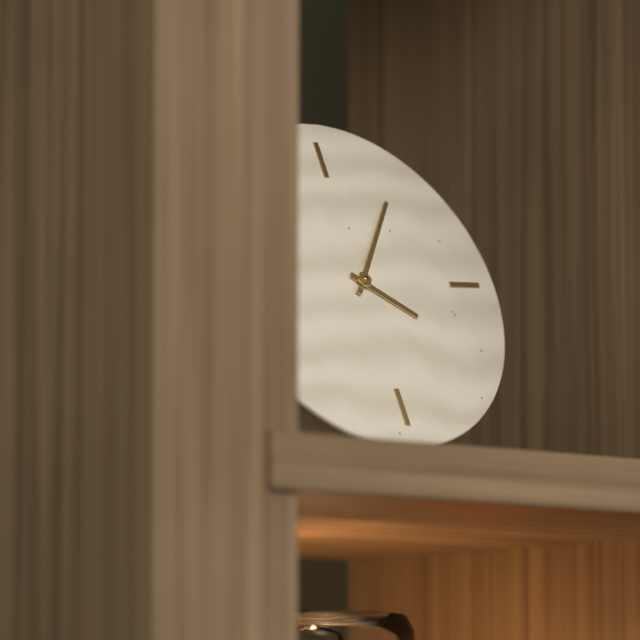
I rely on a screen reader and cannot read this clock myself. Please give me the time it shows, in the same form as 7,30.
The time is 4,06
